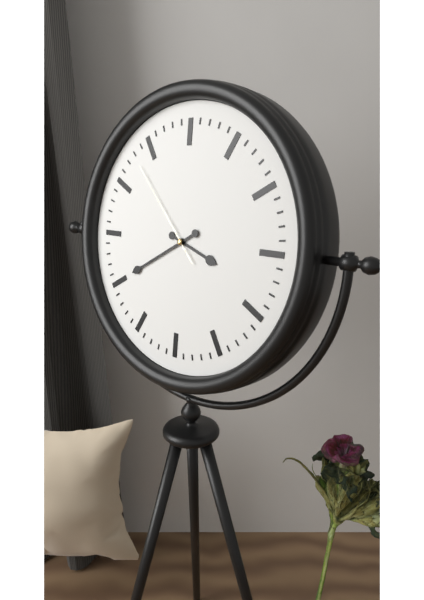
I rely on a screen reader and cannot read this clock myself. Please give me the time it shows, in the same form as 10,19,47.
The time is 3,40,53
